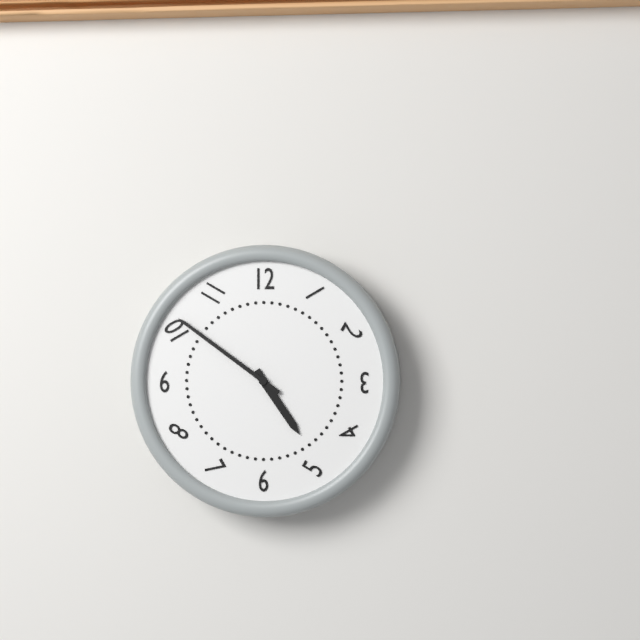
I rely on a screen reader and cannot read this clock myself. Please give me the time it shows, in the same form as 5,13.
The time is 4,51
